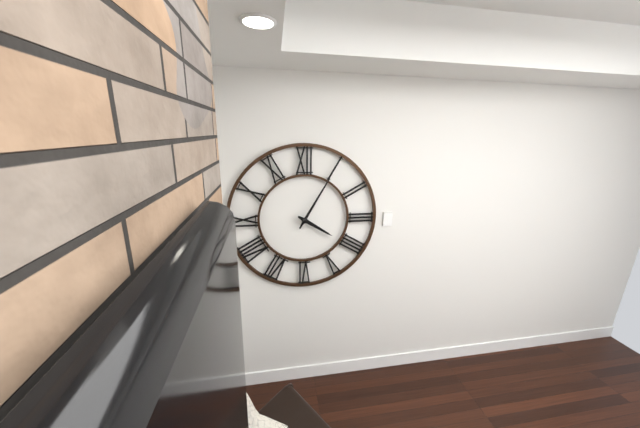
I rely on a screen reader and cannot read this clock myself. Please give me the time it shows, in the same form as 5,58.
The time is 4,05
